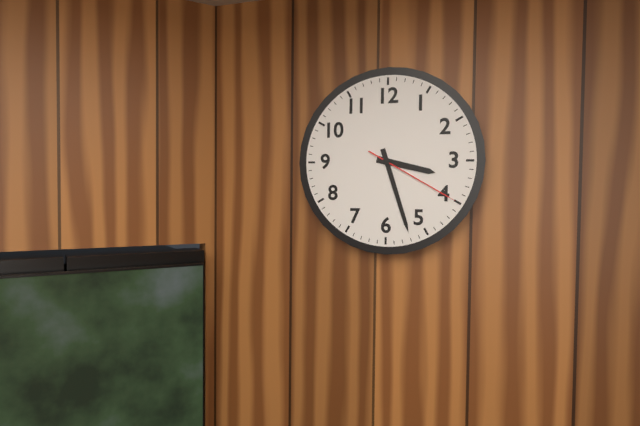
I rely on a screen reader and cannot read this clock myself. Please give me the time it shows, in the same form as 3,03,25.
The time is 3,27,20
